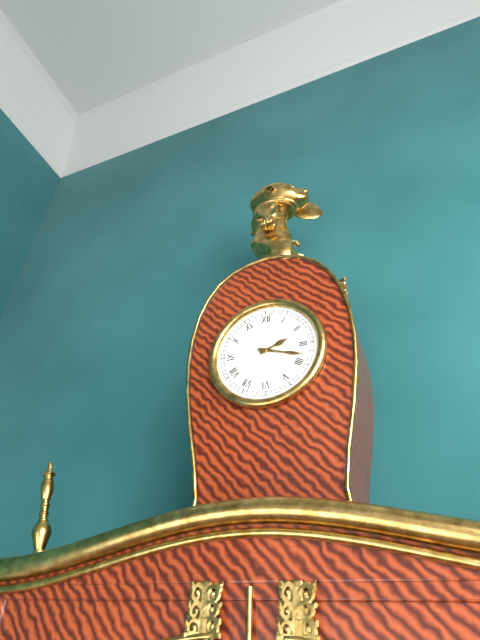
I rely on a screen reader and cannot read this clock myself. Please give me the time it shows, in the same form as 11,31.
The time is 2,18
